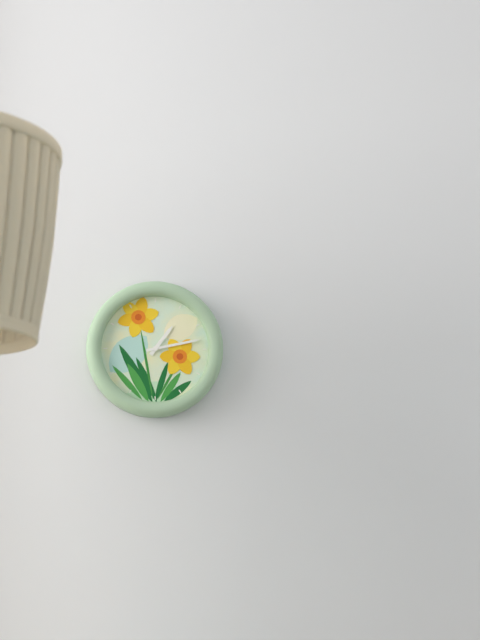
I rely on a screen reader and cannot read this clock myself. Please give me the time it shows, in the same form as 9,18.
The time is 1,13
